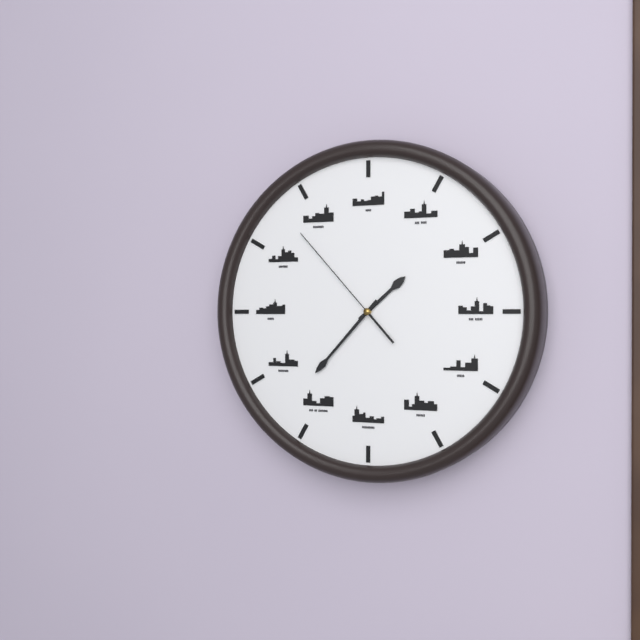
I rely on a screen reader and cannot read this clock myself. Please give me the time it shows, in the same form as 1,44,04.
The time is 1,37,53
